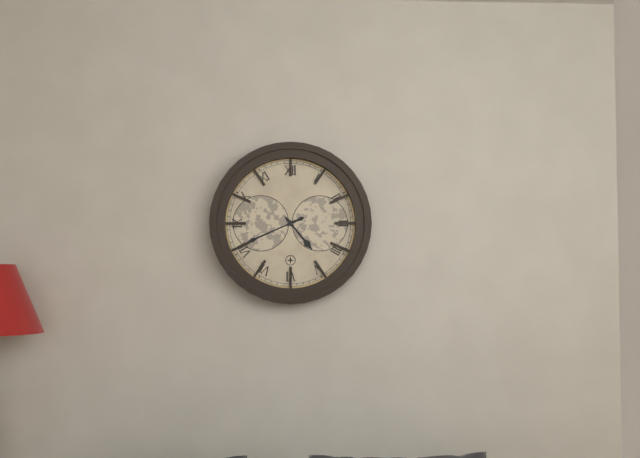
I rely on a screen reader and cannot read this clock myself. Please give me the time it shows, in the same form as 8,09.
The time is 4,41
